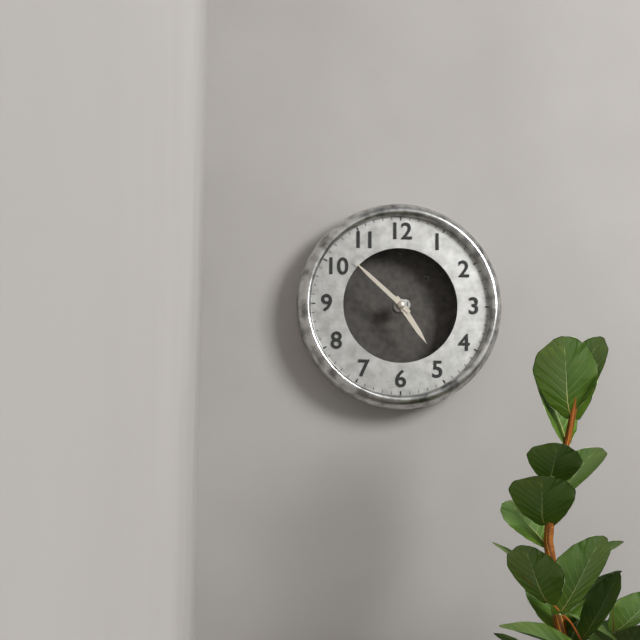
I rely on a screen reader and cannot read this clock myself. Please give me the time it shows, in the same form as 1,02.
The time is 4,52
